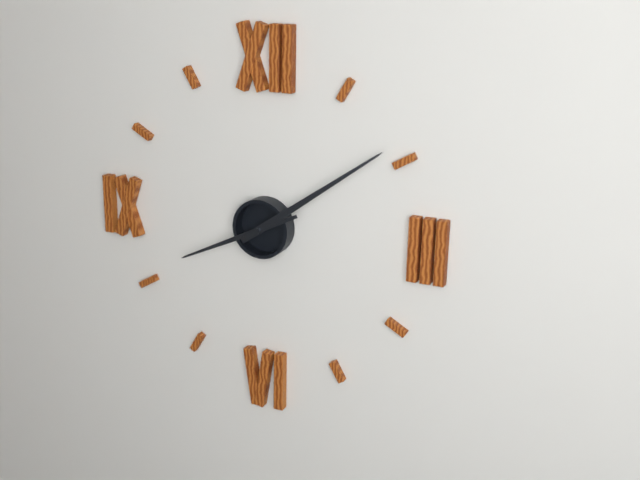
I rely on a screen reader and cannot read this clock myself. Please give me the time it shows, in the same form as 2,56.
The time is 8,09
